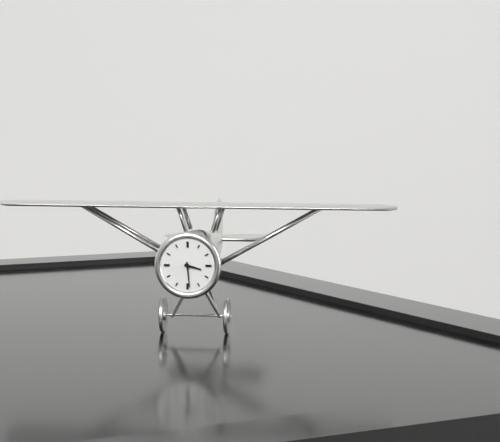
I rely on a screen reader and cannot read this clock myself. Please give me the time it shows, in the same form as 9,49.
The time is 3,29
